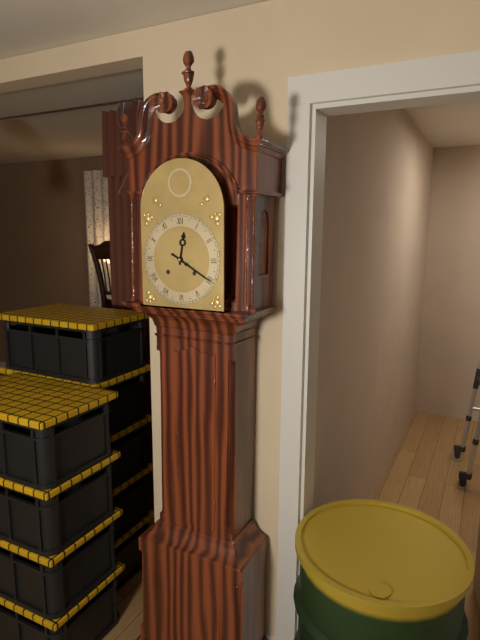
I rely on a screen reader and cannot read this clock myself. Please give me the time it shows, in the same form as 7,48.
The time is 12,20
